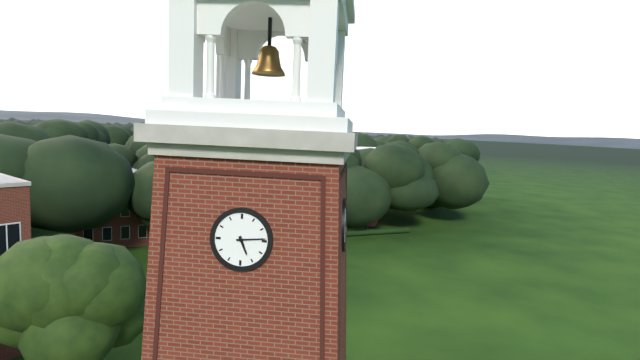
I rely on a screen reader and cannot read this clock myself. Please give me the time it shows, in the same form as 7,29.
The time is 5,14
